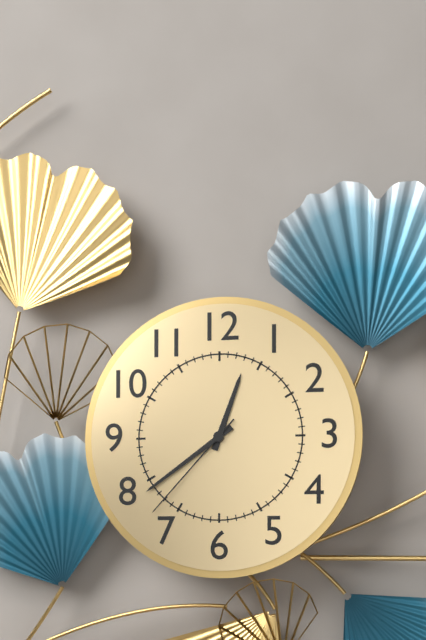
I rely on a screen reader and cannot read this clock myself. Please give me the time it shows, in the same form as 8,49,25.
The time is 12,39,37
